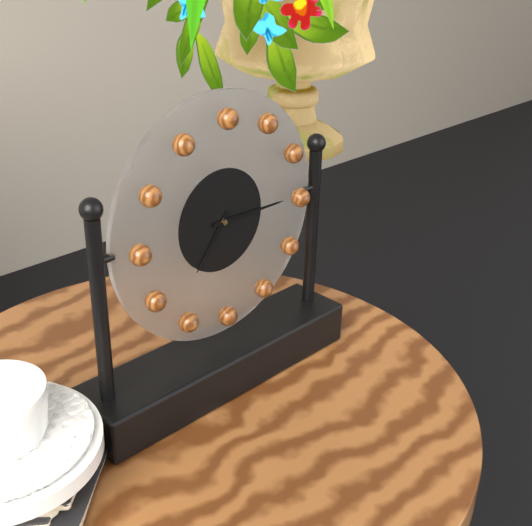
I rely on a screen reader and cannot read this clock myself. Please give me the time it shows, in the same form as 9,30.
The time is 7,15
